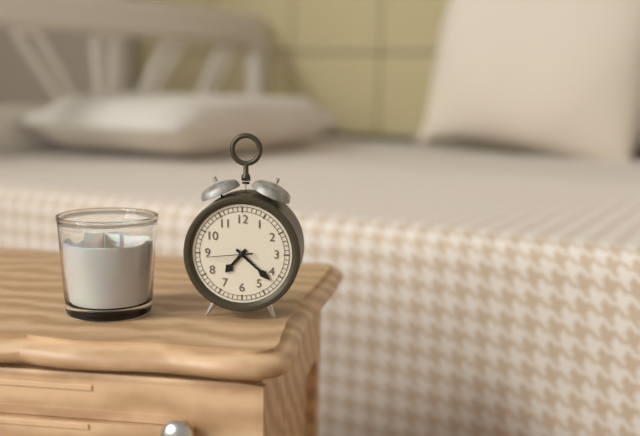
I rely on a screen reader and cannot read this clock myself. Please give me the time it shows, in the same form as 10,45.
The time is 7,22
